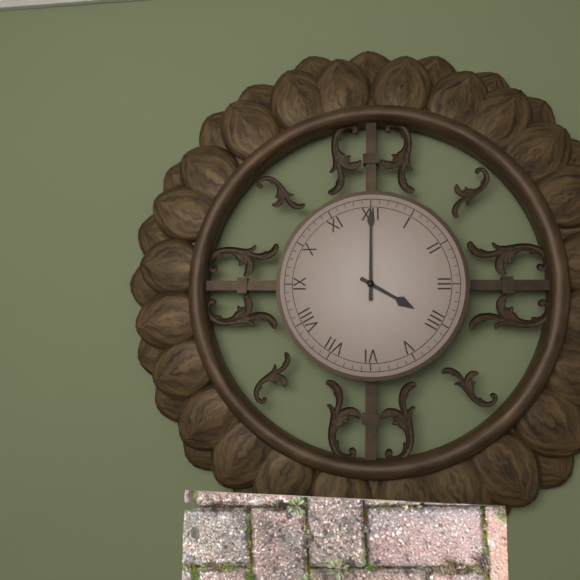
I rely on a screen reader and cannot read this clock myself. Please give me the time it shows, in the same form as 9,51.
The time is 4,00
